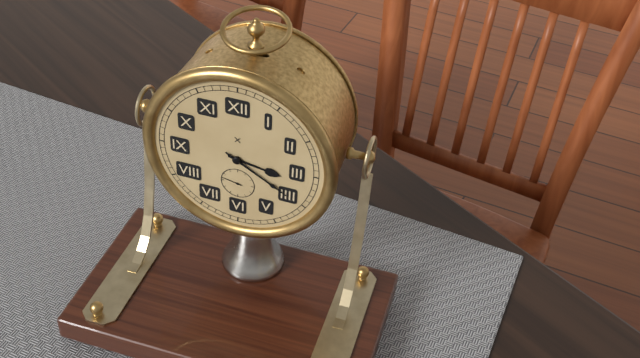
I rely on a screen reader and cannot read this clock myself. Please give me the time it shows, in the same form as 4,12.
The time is 3,20
